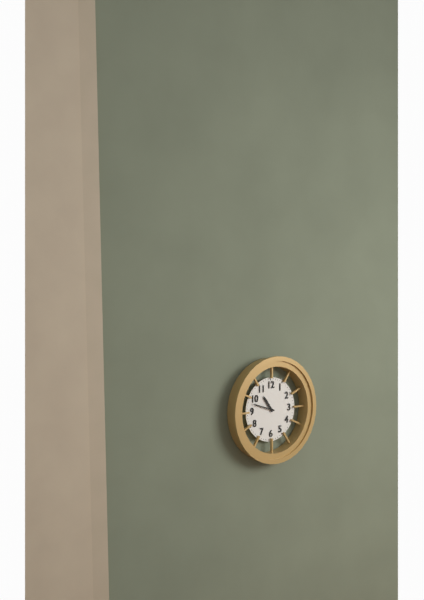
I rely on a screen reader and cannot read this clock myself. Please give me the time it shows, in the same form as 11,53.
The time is 10,48
